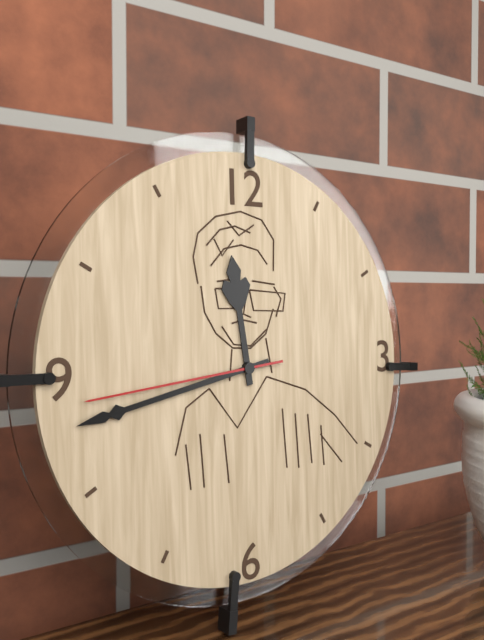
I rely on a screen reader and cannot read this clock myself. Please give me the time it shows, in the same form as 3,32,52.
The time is 11,43,44
